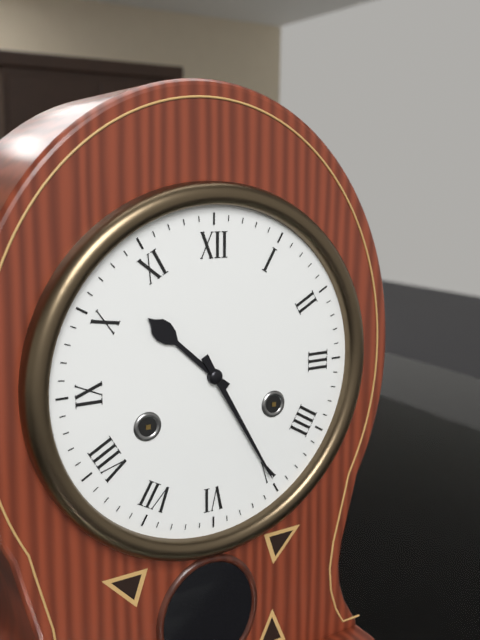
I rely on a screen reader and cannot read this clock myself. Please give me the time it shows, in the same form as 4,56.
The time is 10,25
